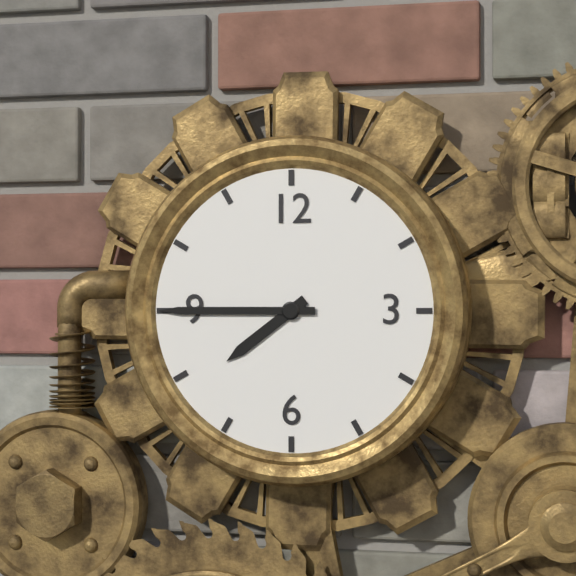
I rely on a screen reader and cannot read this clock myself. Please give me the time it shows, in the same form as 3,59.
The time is 7,45
